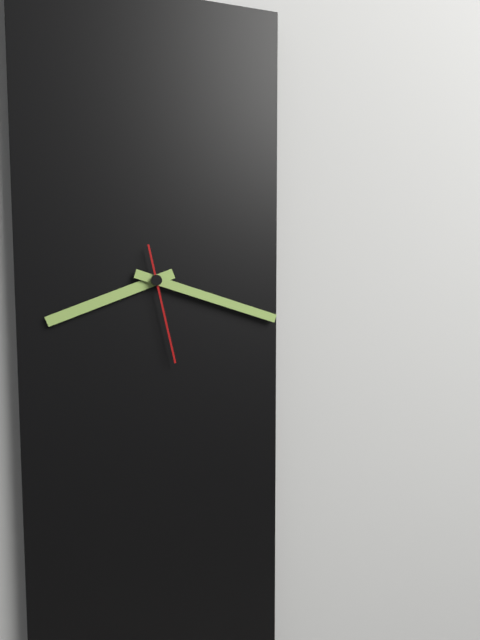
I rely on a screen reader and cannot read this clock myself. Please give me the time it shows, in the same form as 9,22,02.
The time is 8,18,28
